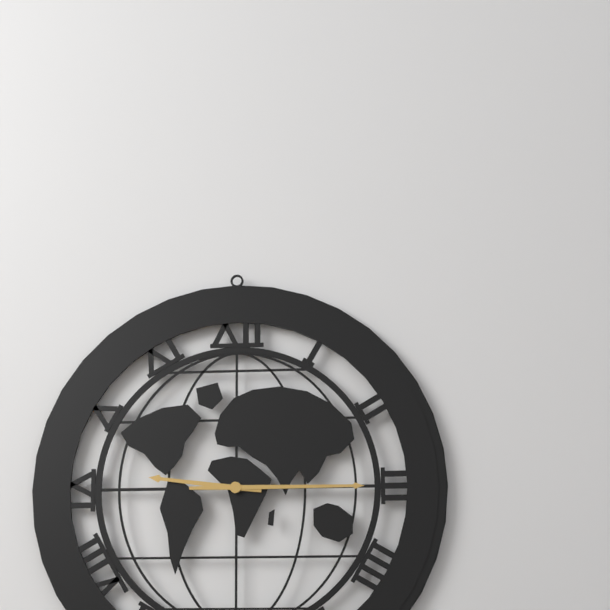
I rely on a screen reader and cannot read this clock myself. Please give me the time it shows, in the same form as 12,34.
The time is 9,15
